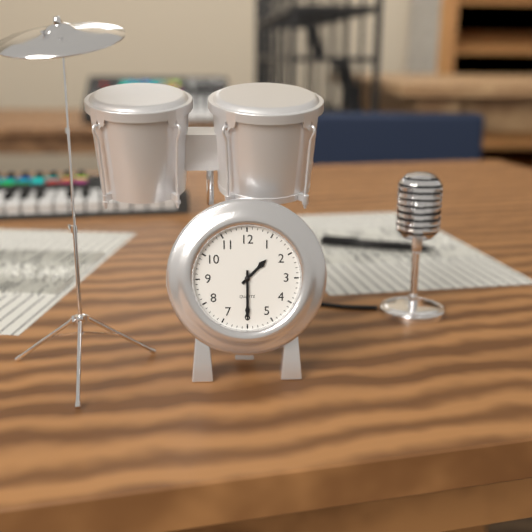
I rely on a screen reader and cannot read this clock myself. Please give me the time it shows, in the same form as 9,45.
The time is 1,30
